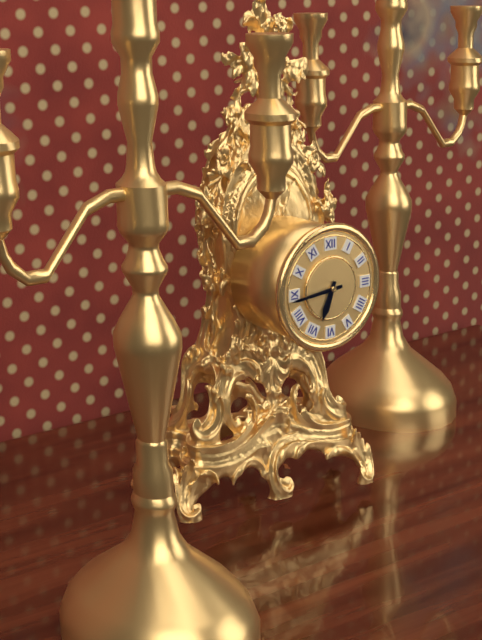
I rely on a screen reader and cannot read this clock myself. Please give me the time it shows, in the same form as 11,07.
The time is 6,44
